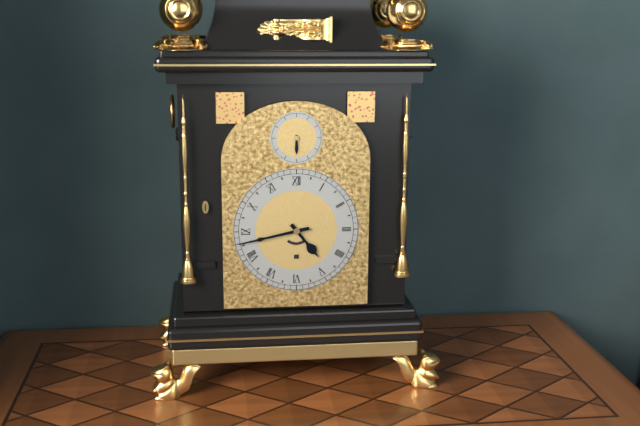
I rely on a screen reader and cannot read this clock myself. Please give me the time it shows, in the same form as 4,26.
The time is 4,43
